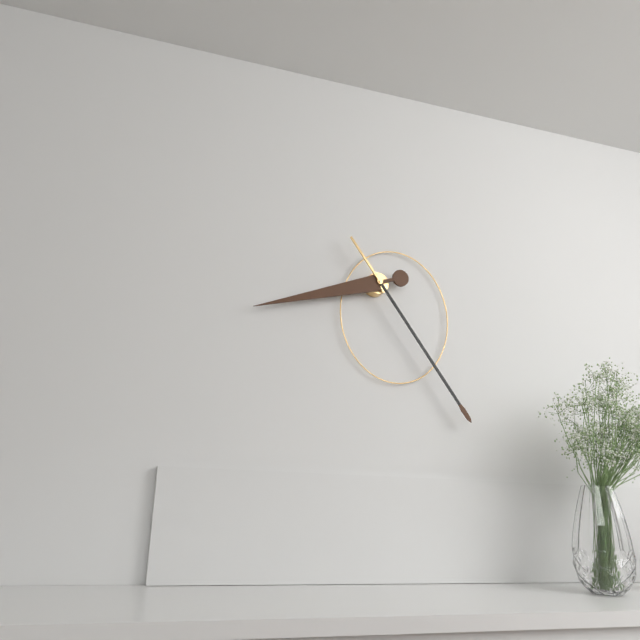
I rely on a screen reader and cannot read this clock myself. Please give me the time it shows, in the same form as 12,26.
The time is 8,24
